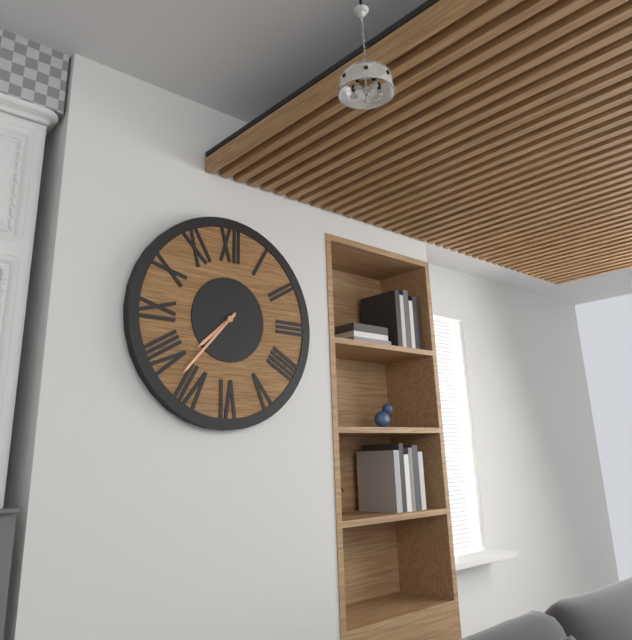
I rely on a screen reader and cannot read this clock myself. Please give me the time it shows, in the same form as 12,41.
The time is 7,37
